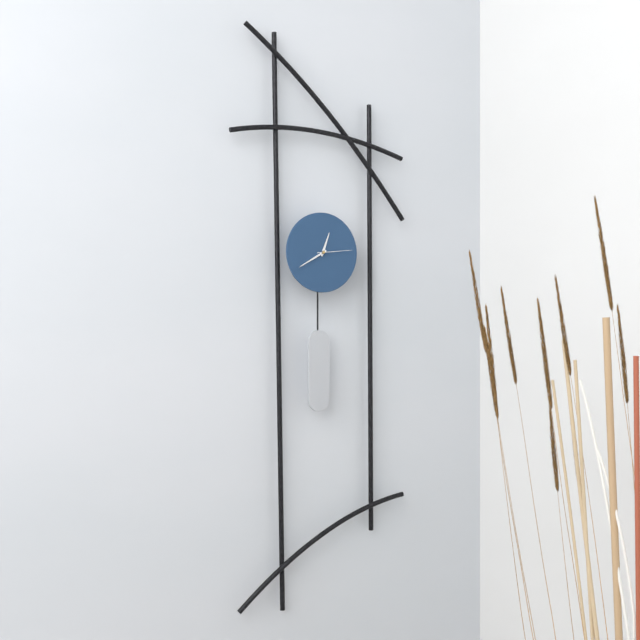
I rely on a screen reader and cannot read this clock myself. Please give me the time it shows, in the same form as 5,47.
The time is 12,40
